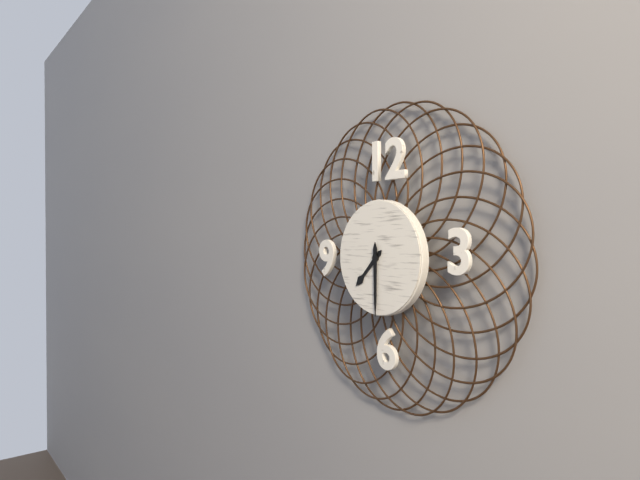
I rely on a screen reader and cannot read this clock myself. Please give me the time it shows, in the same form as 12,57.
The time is 7,30
